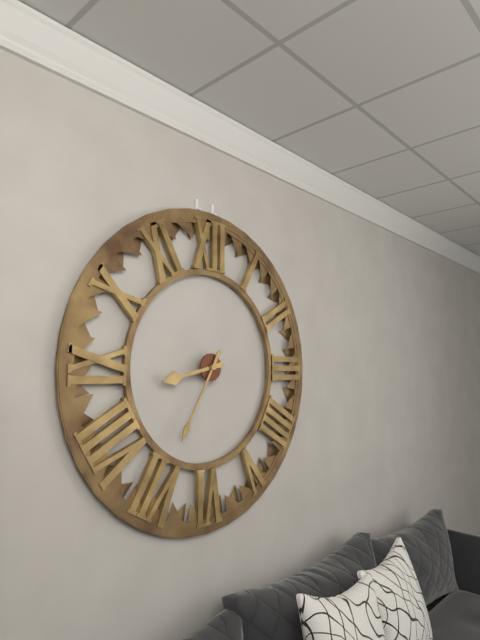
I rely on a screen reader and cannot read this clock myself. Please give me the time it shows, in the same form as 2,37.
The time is 8,35
